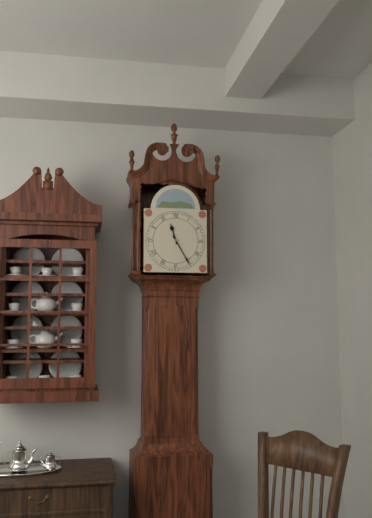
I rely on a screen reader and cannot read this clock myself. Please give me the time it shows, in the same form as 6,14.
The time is 11,25
